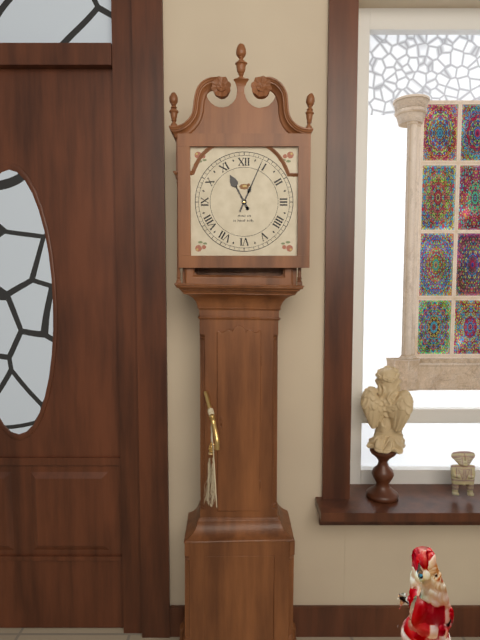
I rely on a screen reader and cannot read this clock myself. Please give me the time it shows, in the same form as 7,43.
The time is 11,04
